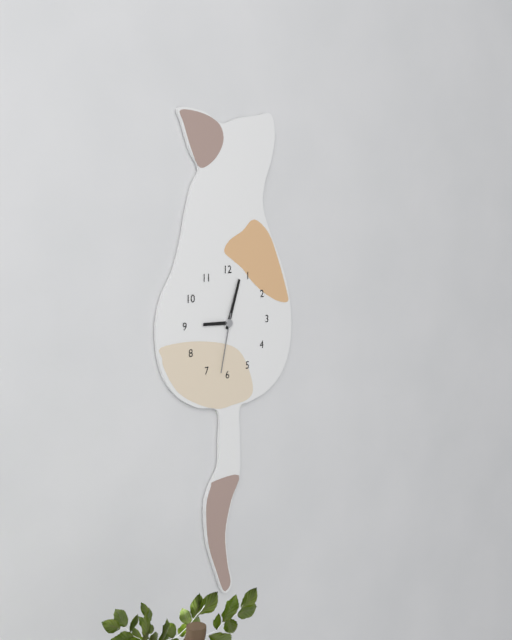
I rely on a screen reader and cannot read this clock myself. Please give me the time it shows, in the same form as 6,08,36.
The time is 9,03,32
